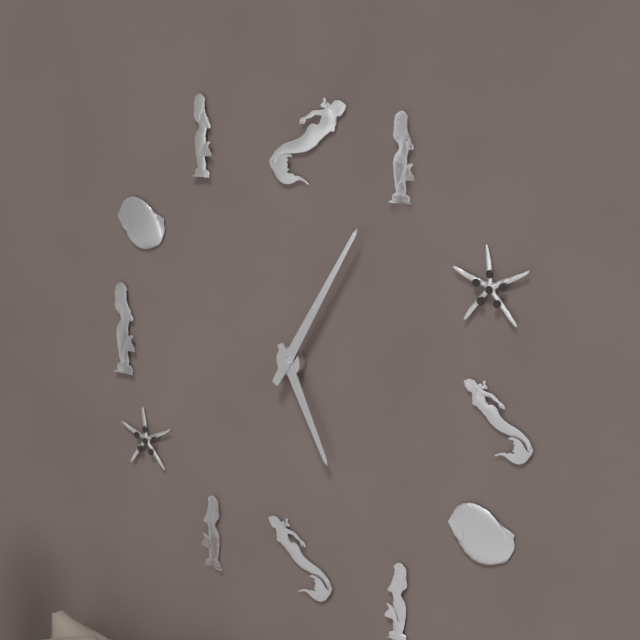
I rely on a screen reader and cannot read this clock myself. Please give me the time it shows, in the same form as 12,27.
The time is 5,05
